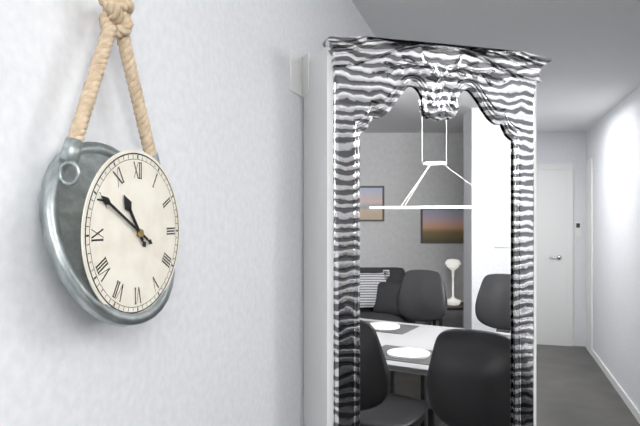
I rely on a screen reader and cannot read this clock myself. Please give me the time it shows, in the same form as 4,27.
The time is 10,50
